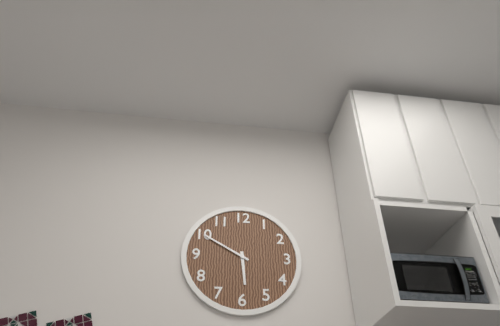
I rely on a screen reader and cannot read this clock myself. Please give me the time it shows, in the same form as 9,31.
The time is 5,50
